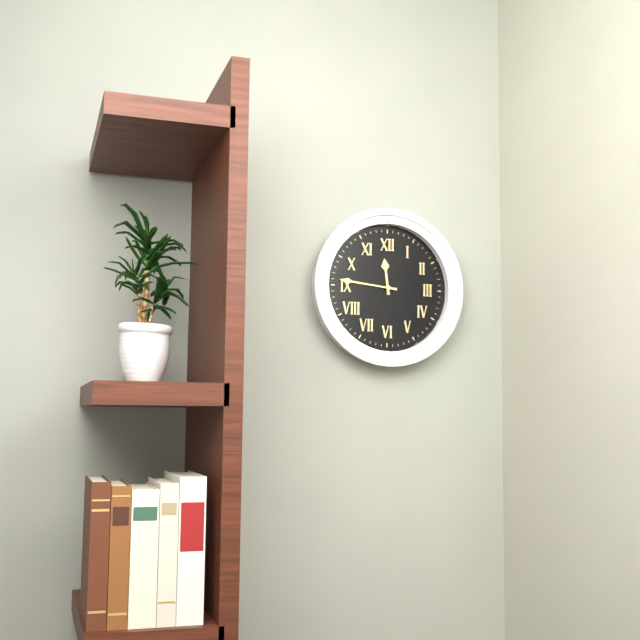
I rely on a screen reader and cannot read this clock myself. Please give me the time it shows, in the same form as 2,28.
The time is 11,46
